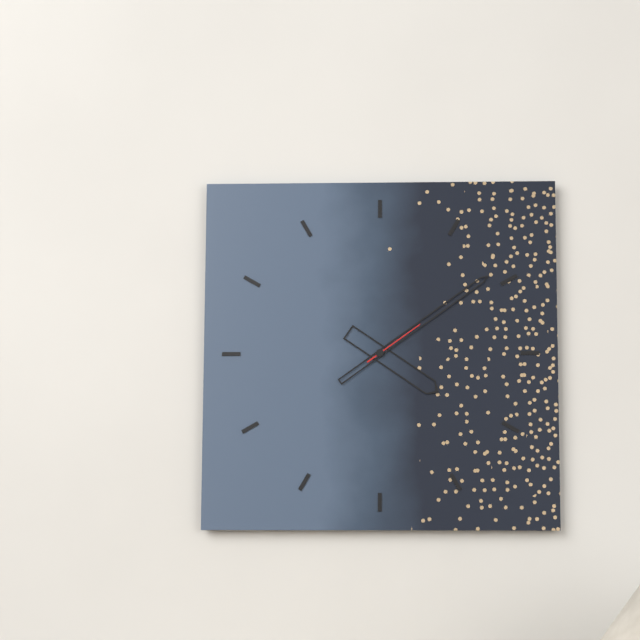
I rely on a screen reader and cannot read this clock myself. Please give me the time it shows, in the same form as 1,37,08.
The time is 4,09,09
